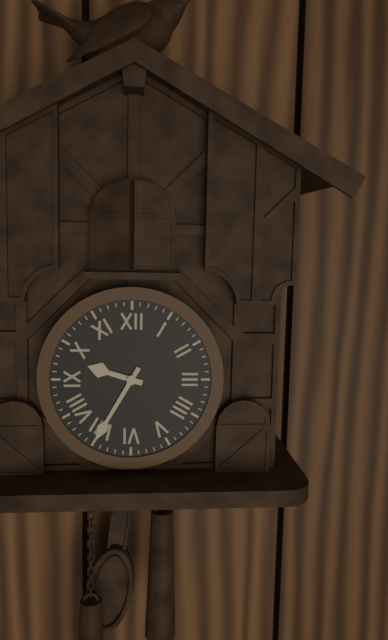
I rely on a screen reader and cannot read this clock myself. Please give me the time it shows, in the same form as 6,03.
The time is 9,35
